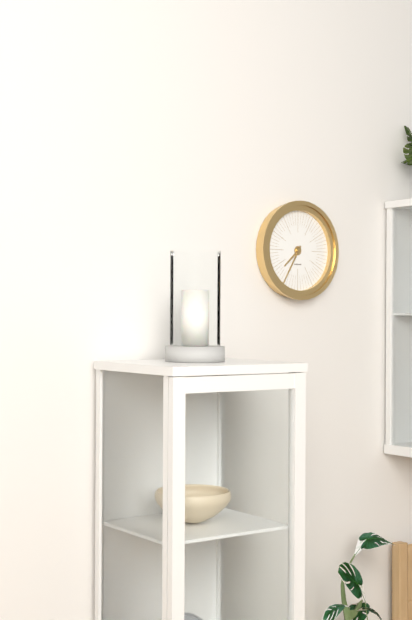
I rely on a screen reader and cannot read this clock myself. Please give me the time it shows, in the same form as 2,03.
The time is 7,35
